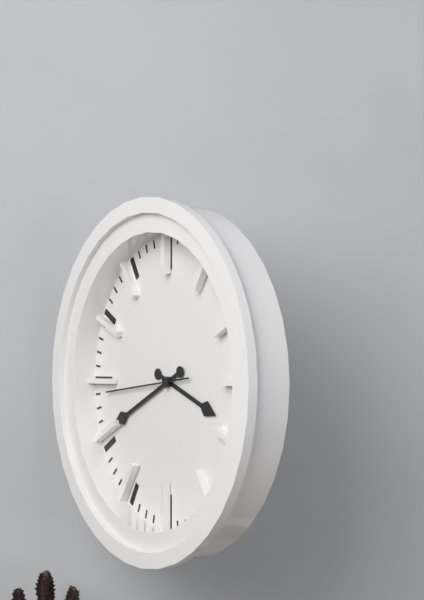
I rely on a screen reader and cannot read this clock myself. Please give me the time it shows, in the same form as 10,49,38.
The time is 3,41,44
